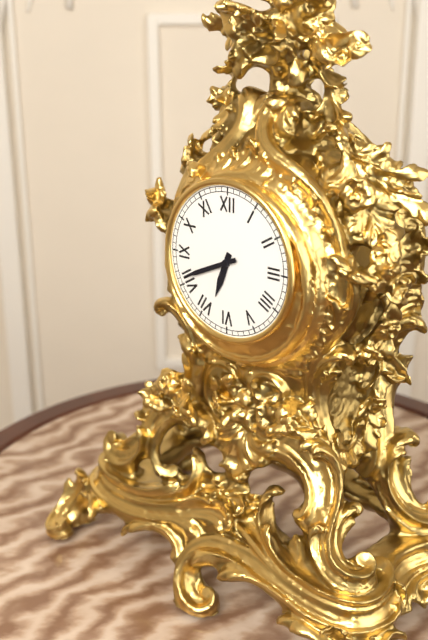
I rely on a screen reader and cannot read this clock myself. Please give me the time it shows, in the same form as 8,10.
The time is 6,41
